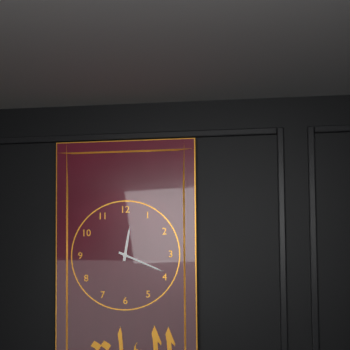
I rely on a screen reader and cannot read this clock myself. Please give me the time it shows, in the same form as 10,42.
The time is 12,19
